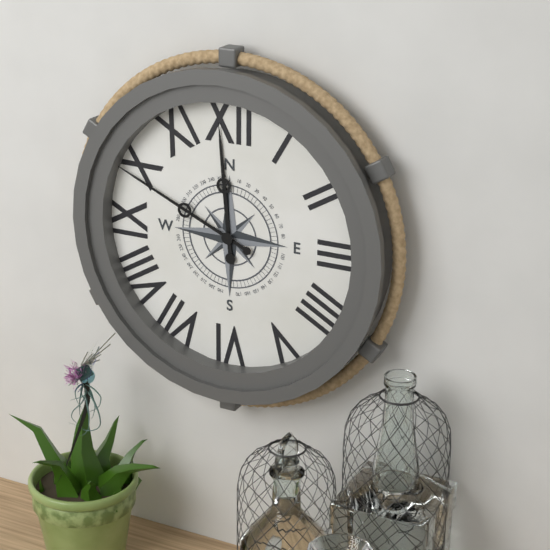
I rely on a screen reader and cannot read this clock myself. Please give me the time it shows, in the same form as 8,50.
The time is 11,49
